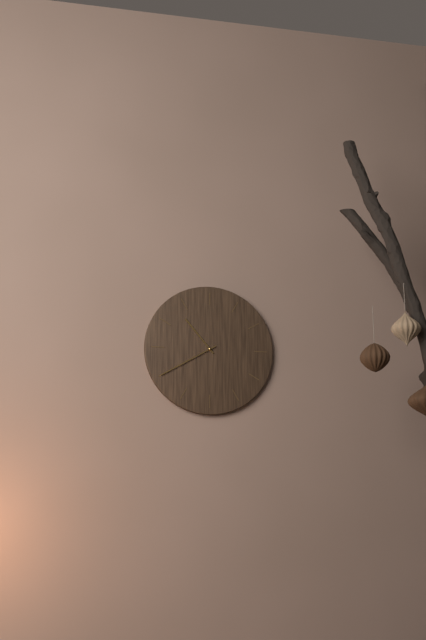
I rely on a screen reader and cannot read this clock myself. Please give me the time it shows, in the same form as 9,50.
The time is 10,40
